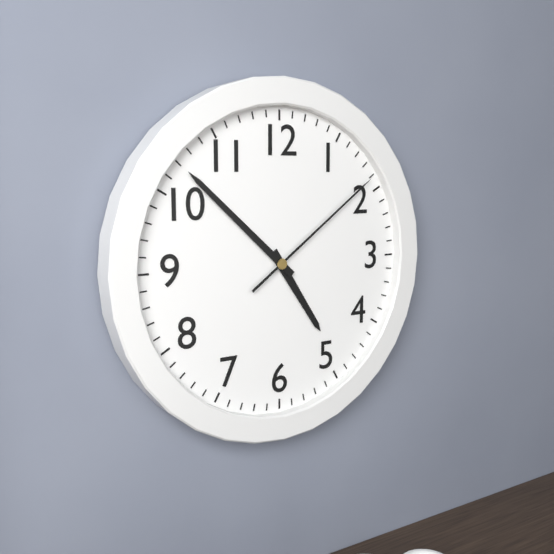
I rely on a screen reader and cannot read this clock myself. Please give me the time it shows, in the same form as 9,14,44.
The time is 4,52,09
